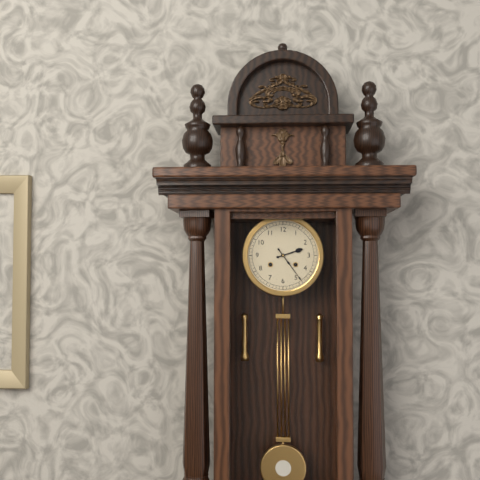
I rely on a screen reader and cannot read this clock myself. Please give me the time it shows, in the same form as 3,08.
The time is 2,24
